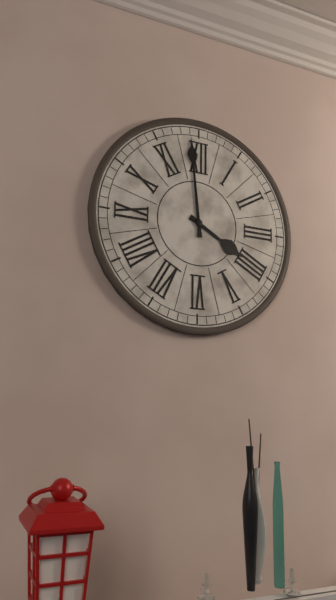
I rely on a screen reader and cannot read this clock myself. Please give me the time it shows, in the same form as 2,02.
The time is 3,59
